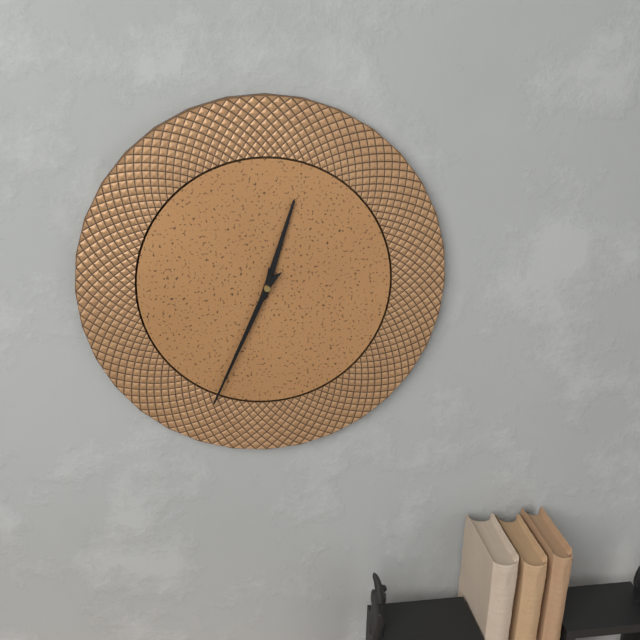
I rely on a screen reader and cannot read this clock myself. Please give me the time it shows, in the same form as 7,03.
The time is 12,34
